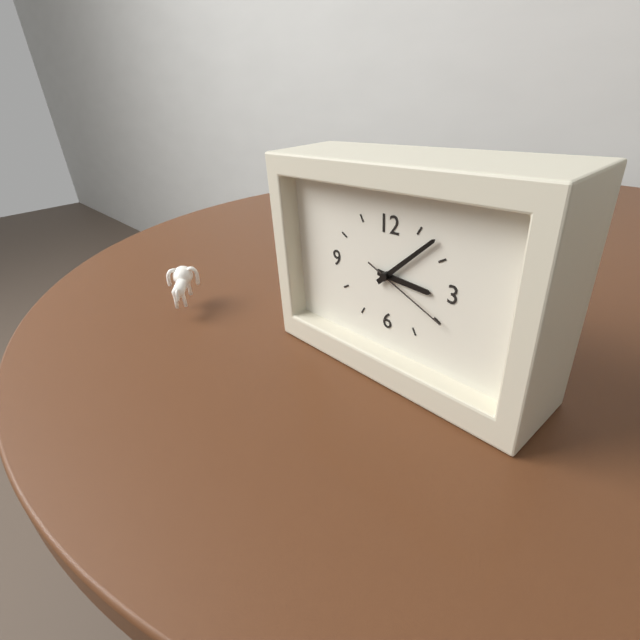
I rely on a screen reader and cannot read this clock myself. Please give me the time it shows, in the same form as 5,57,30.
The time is 3,08,19
